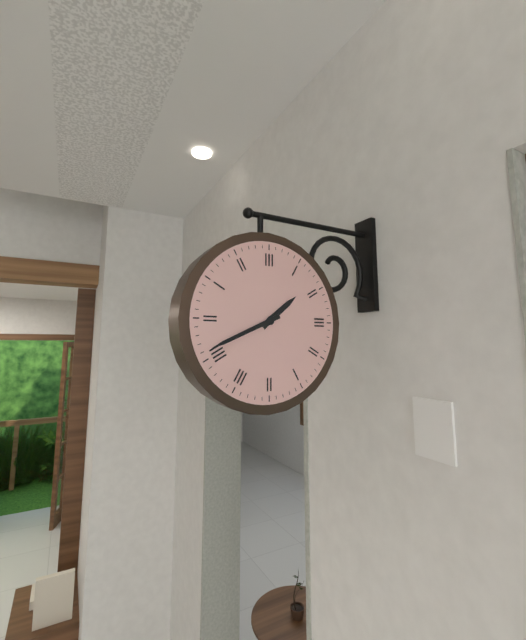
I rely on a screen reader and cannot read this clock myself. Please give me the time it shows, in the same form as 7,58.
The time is 1,41
